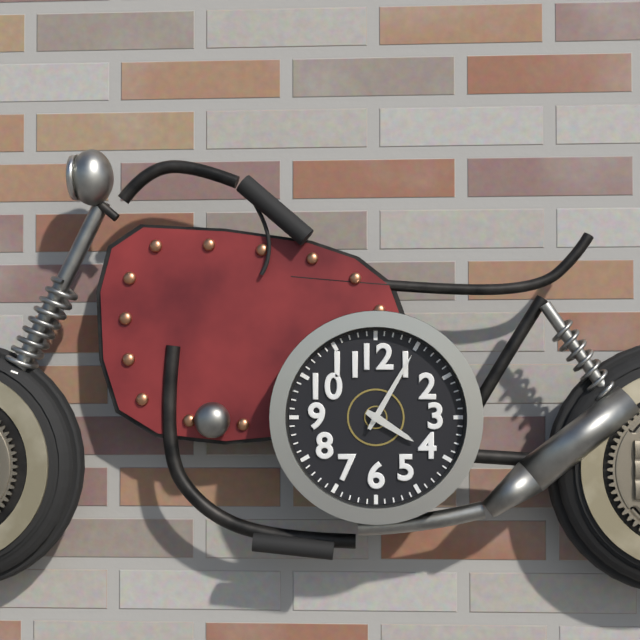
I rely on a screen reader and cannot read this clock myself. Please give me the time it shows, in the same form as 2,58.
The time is 4,05
